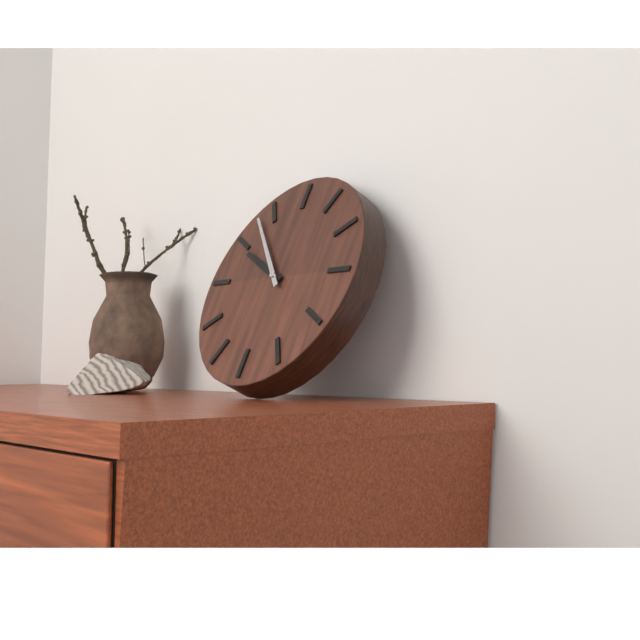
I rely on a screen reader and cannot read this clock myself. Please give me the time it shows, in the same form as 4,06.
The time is 9,53
